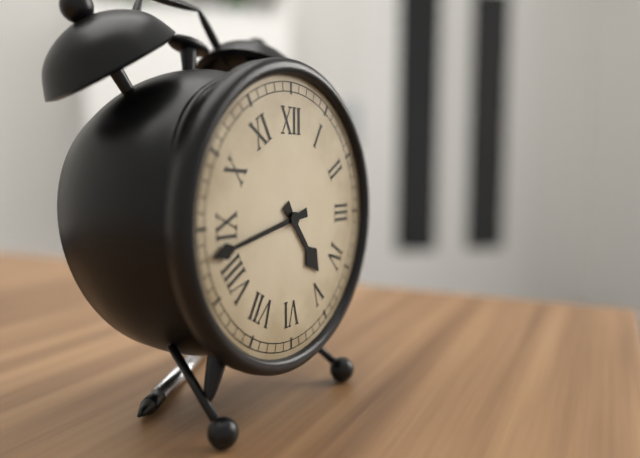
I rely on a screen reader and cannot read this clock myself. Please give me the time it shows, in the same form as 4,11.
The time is 4,43
